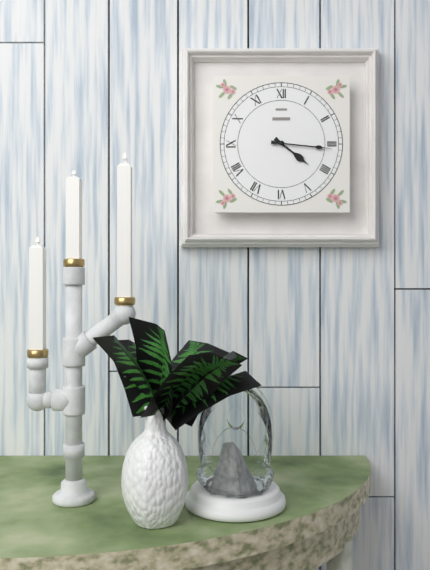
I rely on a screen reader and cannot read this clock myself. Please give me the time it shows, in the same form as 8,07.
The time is 4,16
